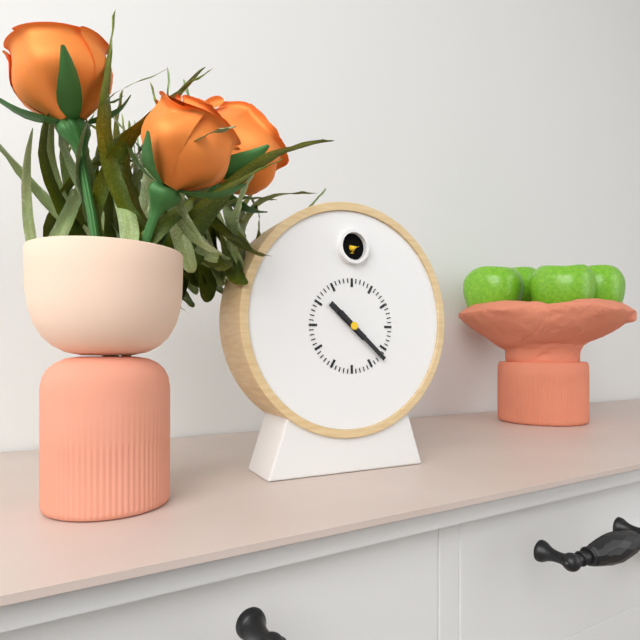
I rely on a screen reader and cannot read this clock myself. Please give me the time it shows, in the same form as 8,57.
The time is 10,22
